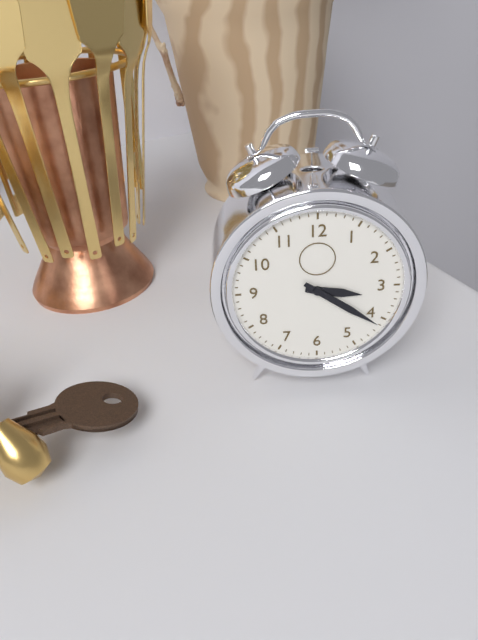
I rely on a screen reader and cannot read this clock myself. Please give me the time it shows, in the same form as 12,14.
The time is 3,21
